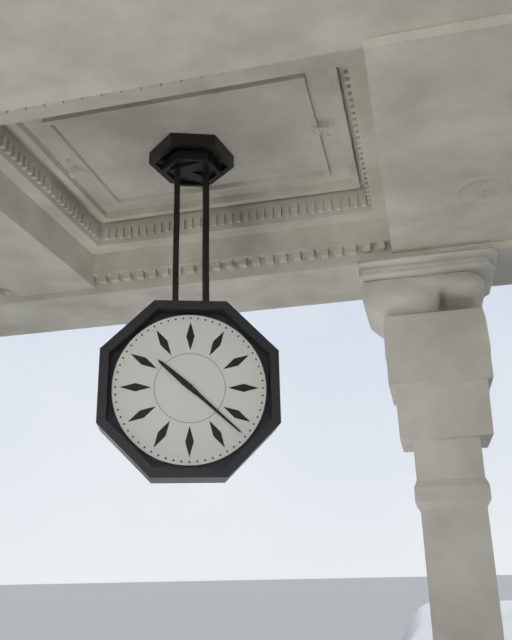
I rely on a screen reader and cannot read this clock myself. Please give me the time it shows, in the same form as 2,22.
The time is 10,22
